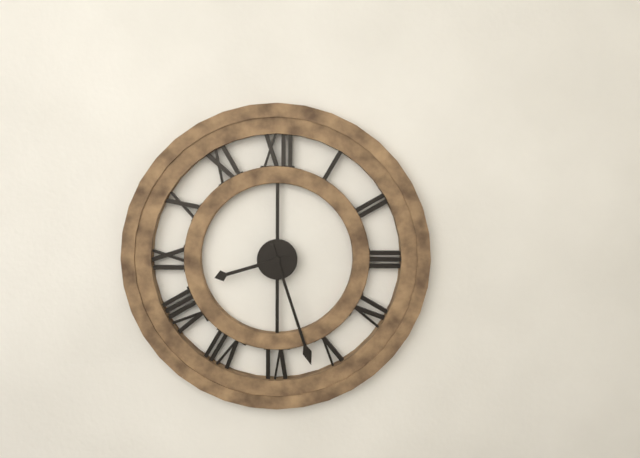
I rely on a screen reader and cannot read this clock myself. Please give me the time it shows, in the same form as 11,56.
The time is 8,27
